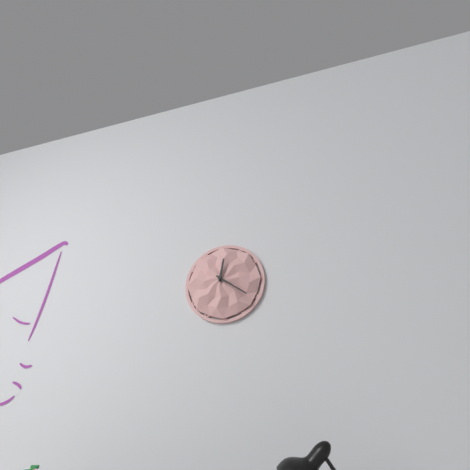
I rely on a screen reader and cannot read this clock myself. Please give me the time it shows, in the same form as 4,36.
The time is 12,21
